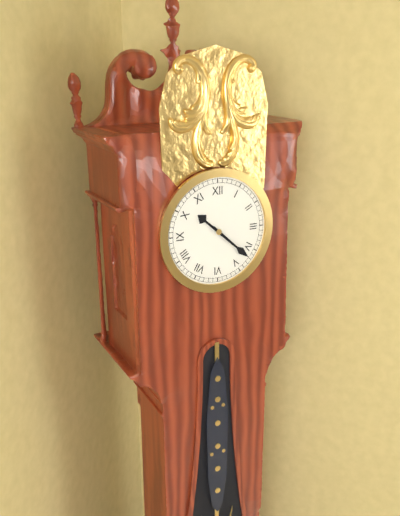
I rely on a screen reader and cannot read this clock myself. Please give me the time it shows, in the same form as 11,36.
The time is 10,22
